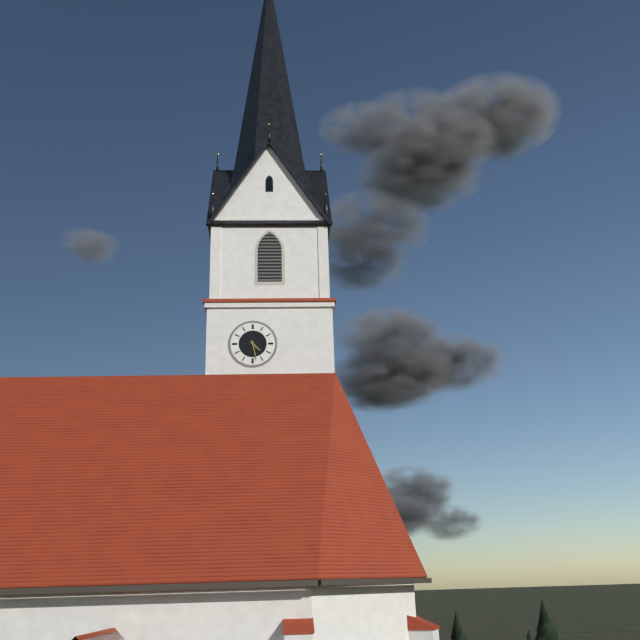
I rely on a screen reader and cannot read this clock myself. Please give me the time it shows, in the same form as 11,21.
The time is 4,28
